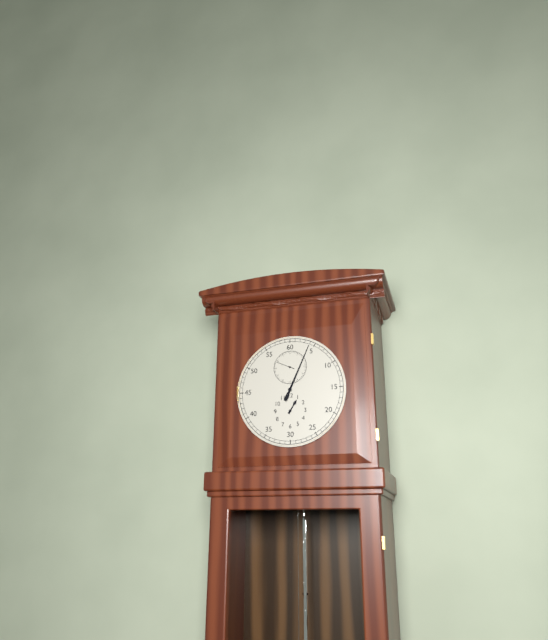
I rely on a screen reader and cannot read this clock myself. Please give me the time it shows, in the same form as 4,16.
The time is 1,04
